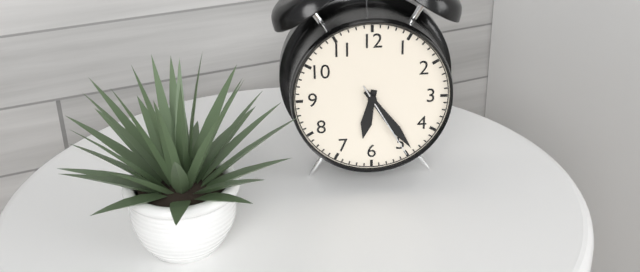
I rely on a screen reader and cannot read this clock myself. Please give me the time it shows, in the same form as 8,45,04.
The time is 6,24,25
